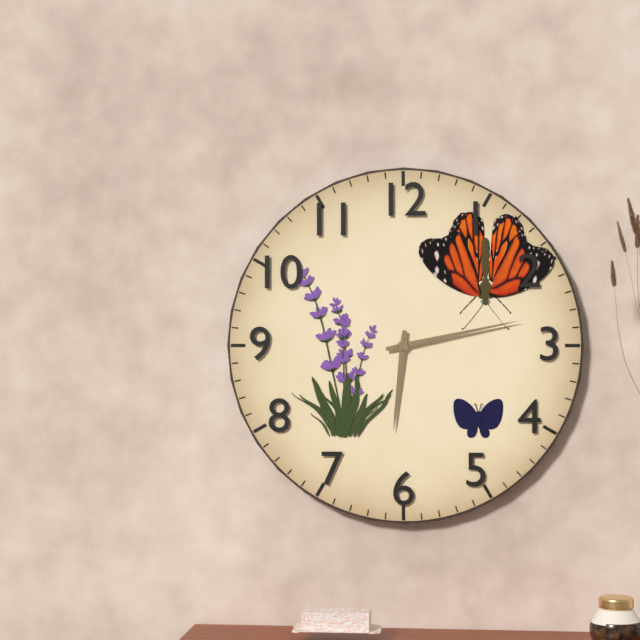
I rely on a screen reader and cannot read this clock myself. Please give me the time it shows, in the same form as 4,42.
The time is 6,13
